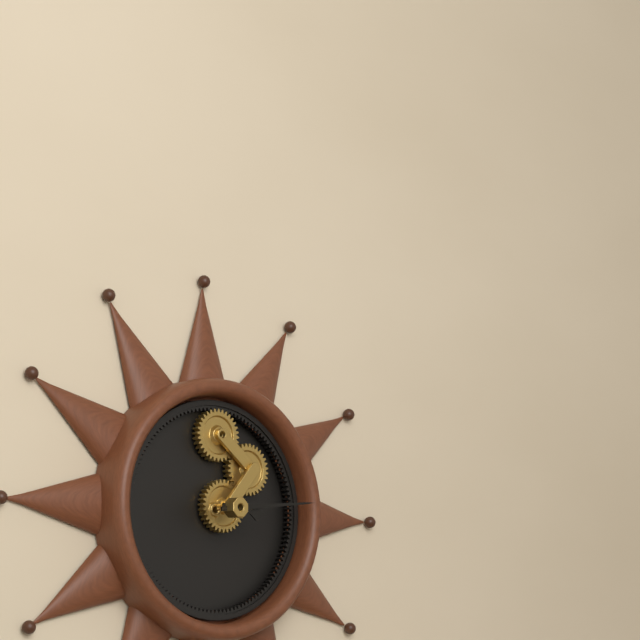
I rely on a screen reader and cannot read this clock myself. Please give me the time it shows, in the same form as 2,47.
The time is 3,14
